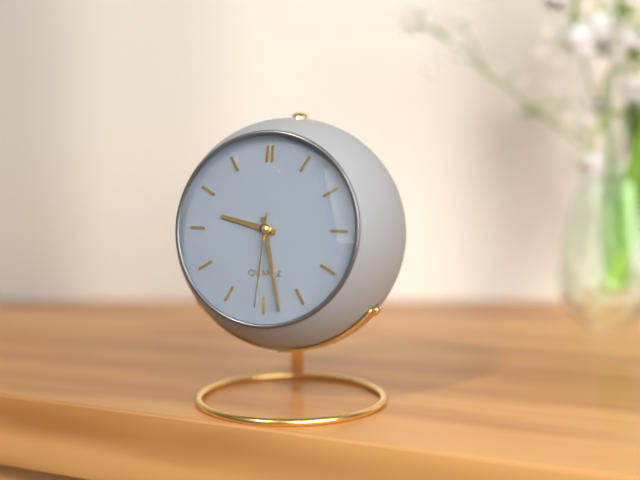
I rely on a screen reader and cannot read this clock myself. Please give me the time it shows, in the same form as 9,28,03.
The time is 9,28,31
